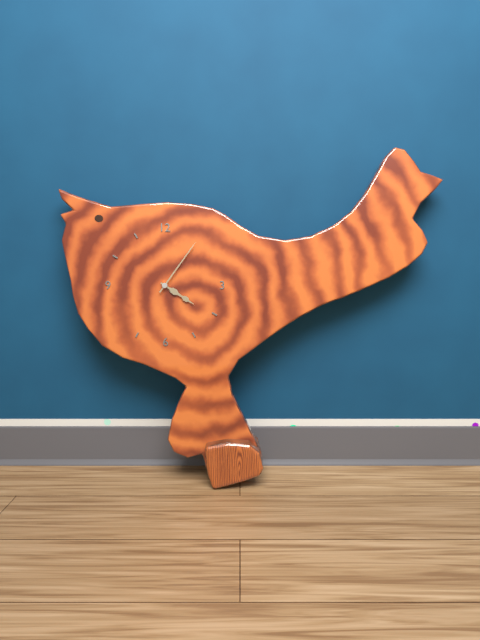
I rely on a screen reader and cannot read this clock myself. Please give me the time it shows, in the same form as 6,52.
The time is 4,06
